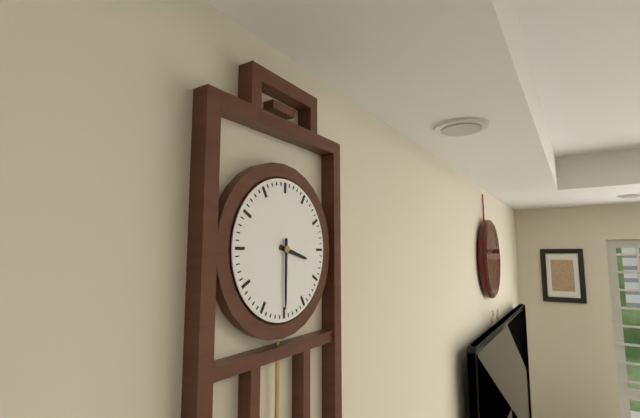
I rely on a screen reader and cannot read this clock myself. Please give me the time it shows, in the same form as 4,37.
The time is 3,30
